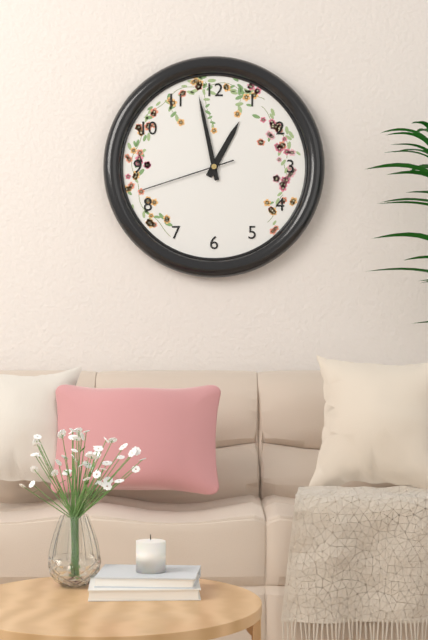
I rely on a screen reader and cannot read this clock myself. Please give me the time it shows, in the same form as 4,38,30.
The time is 12,58,42
